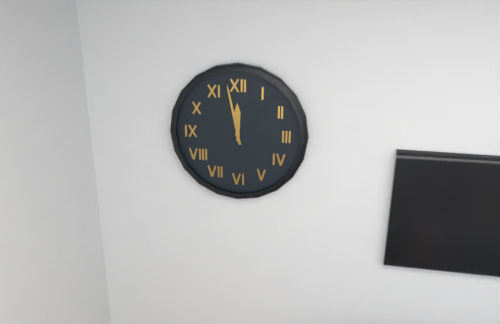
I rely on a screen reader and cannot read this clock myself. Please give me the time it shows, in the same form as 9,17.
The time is 11,58
